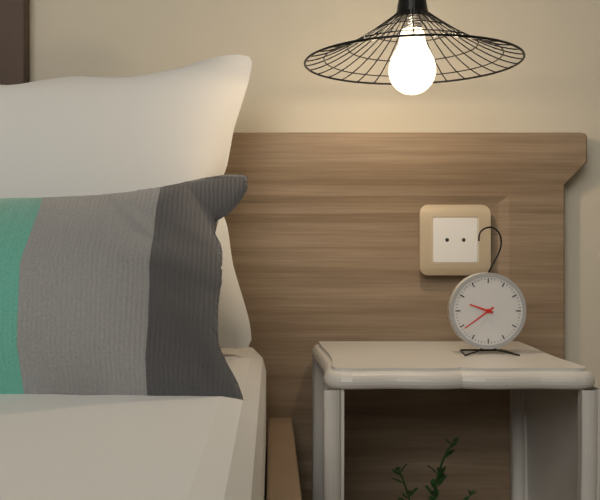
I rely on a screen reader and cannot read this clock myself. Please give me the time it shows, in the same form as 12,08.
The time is 9,39
